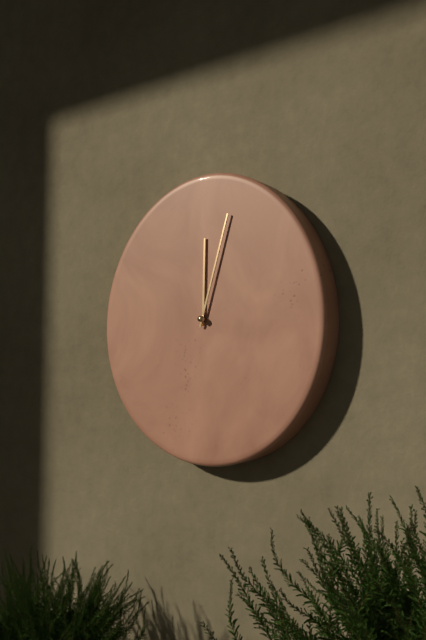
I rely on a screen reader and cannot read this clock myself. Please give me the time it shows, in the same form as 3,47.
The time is 12,03
